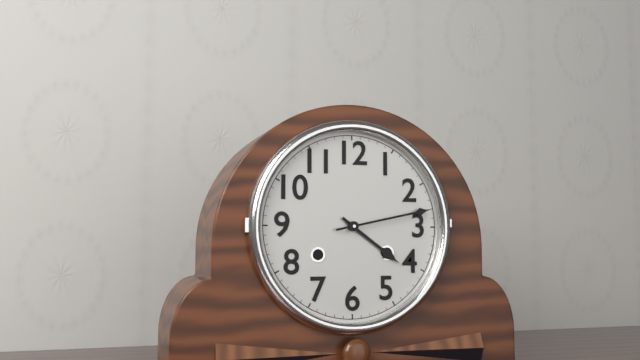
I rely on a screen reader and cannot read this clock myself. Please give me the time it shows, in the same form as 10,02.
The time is 4,13
